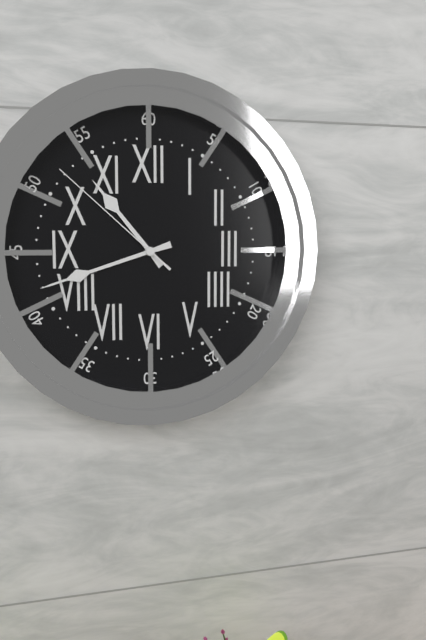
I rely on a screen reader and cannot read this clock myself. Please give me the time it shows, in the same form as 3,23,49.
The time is 10,42,52
